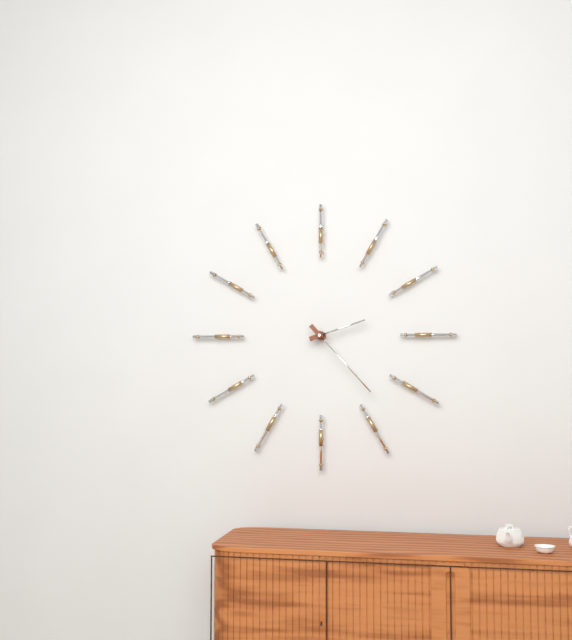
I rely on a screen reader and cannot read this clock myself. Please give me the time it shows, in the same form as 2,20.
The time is 2,23
